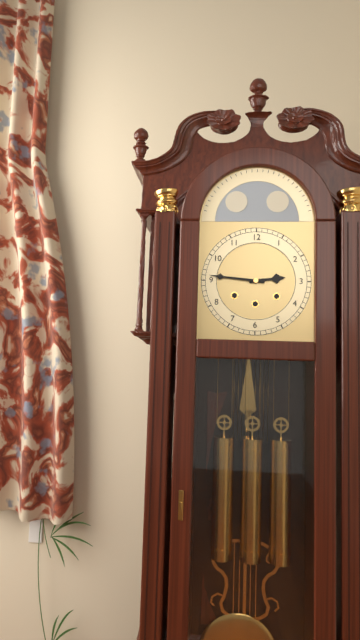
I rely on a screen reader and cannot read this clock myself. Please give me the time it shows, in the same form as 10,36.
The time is 2,46
